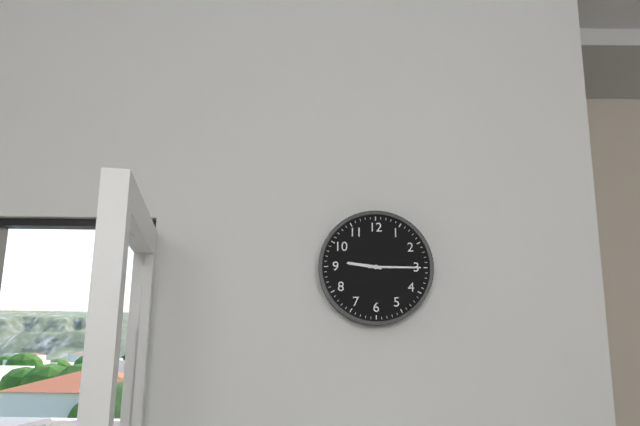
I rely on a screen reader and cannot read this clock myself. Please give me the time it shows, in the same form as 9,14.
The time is 9,15
